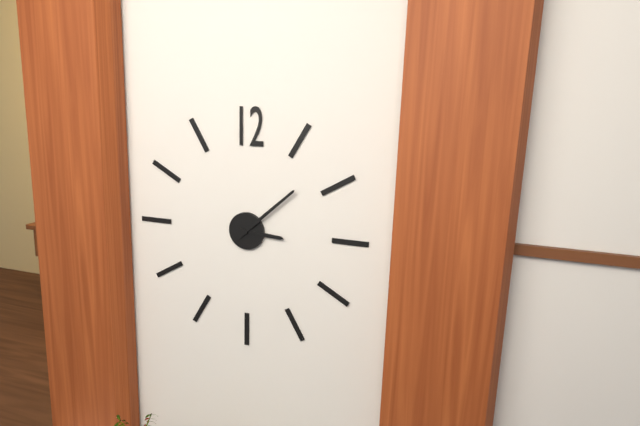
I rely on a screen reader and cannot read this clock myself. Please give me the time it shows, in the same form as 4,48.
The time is 3,08
